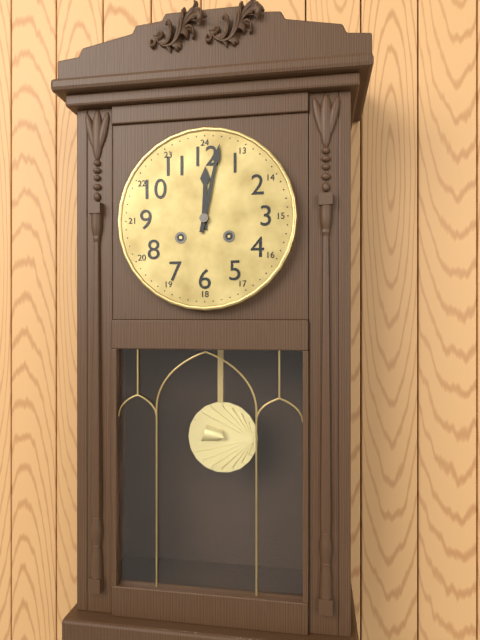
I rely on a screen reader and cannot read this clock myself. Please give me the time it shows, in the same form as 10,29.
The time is 12,02
